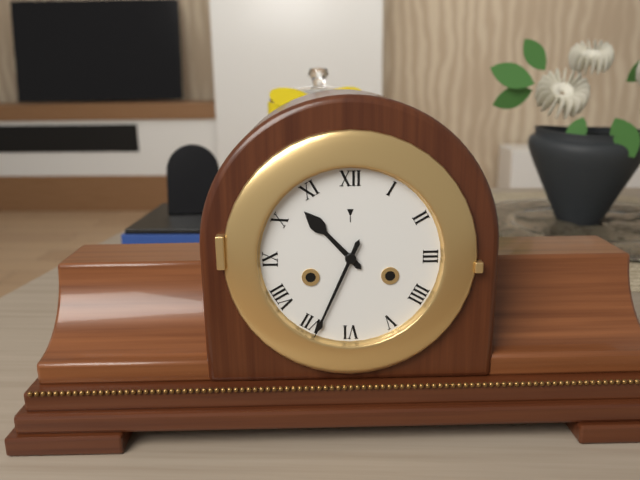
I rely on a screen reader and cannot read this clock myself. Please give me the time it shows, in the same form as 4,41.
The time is 10,34
